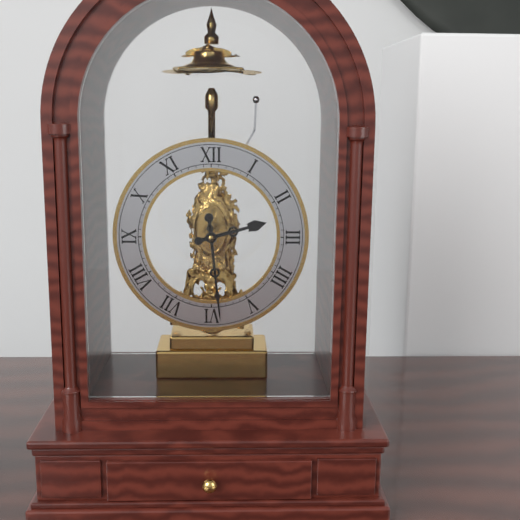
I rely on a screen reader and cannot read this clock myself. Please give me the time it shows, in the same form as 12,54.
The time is 2,29
